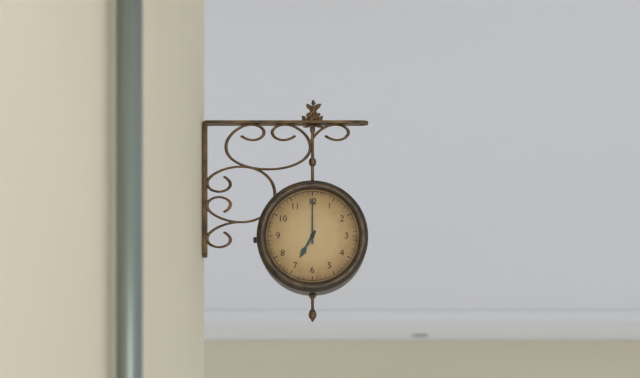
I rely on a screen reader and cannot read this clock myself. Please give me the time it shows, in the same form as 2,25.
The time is 7,00
